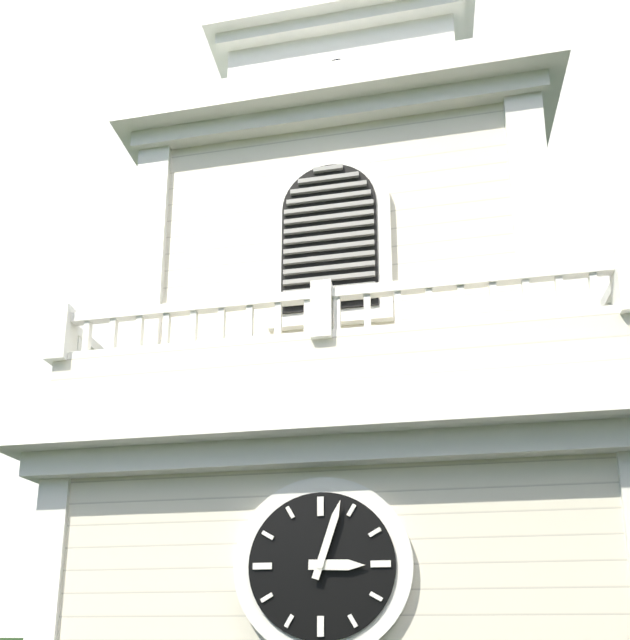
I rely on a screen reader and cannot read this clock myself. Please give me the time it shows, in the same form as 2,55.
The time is 3,03
